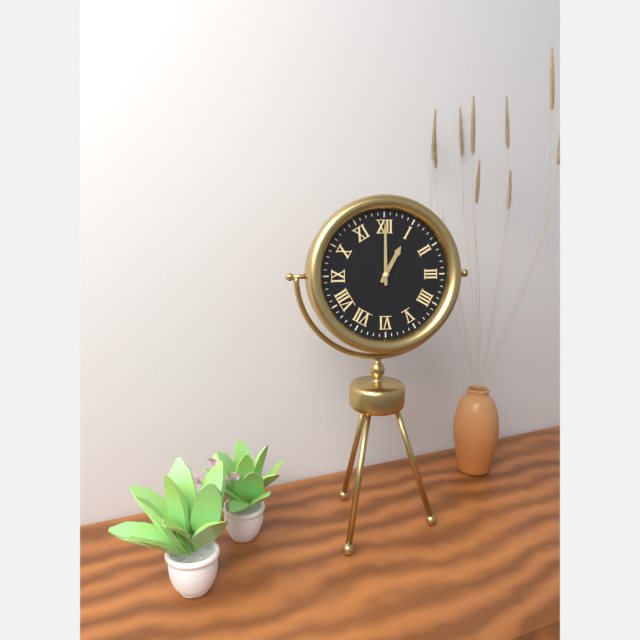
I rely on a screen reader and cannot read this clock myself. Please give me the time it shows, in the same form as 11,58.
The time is 1,00
